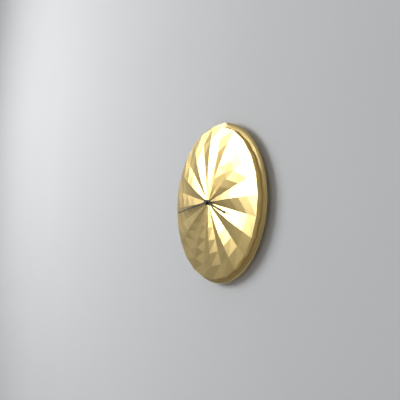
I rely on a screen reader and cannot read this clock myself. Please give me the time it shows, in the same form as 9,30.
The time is 3,44
